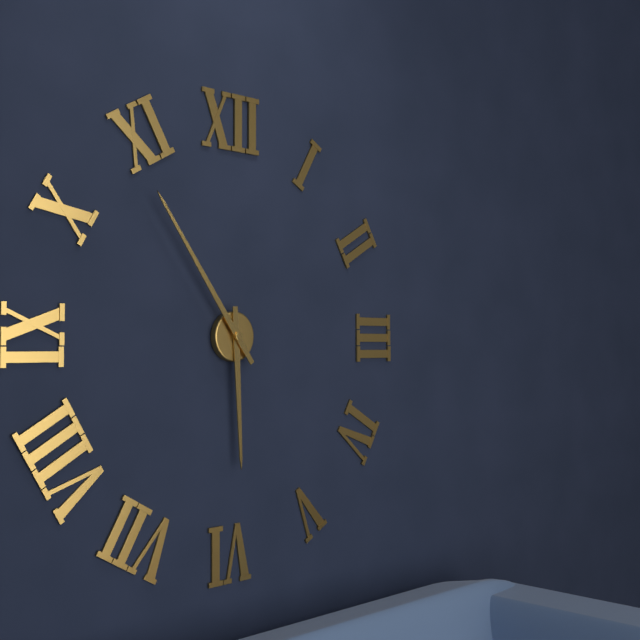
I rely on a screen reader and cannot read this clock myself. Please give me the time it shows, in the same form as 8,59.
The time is 5,54
